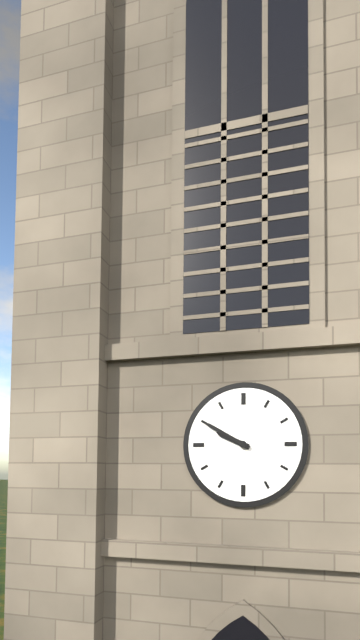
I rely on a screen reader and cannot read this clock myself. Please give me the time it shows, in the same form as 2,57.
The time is 9,50
